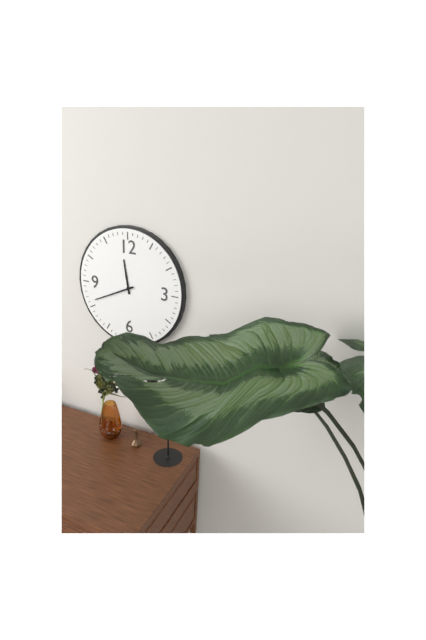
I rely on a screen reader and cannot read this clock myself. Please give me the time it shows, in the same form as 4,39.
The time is 11,41
